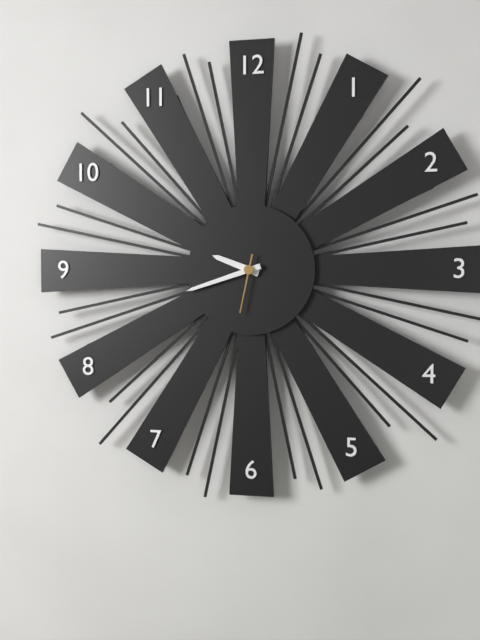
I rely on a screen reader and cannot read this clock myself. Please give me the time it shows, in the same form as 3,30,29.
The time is 9,42,32
